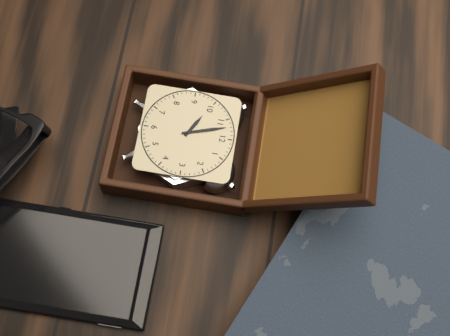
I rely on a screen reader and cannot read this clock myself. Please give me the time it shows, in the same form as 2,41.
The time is 9,57
